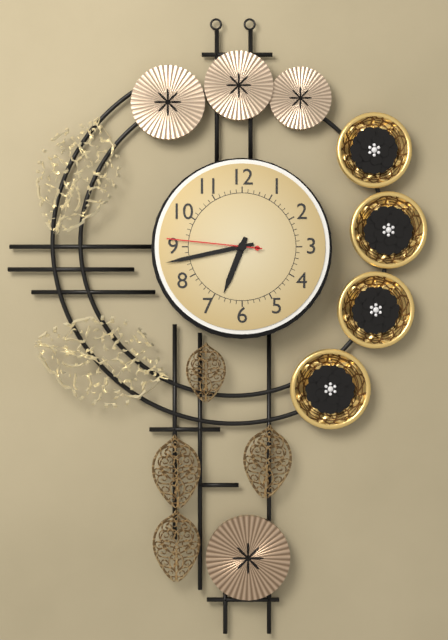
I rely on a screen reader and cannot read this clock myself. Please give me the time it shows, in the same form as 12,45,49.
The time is 6,43,46
